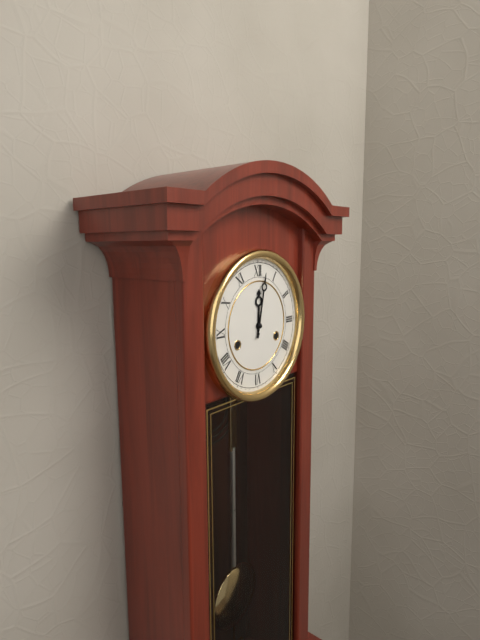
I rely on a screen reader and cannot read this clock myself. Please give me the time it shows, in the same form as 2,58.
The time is 12,02
